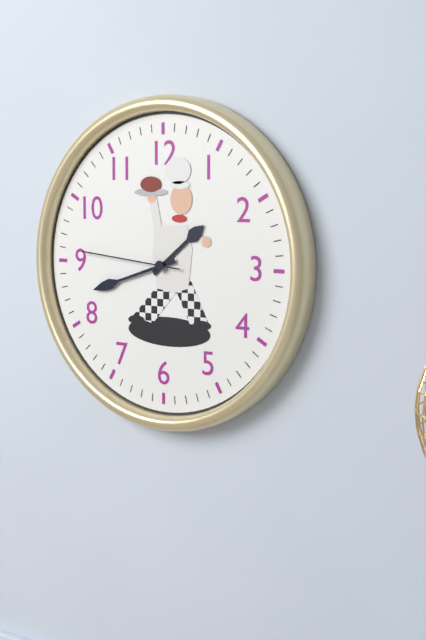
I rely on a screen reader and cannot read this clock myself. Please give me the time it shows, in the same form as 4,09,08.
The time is 1,42,46
